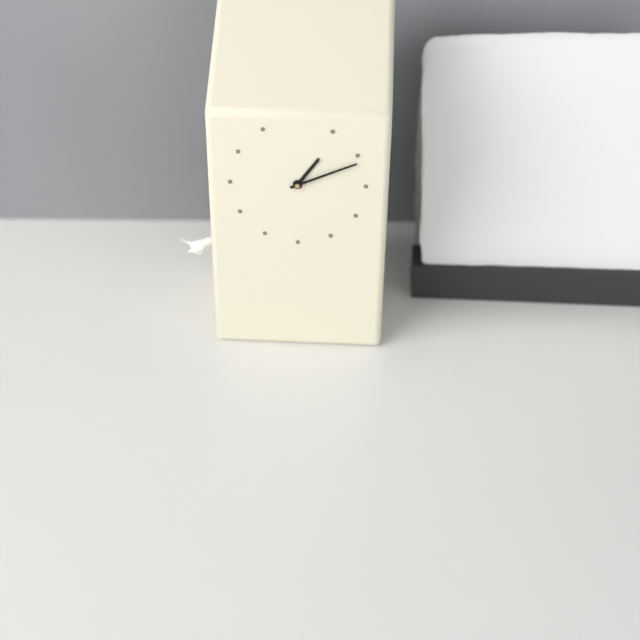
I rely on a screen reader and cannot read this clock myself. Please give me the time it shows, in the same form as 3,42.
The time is 1,11
